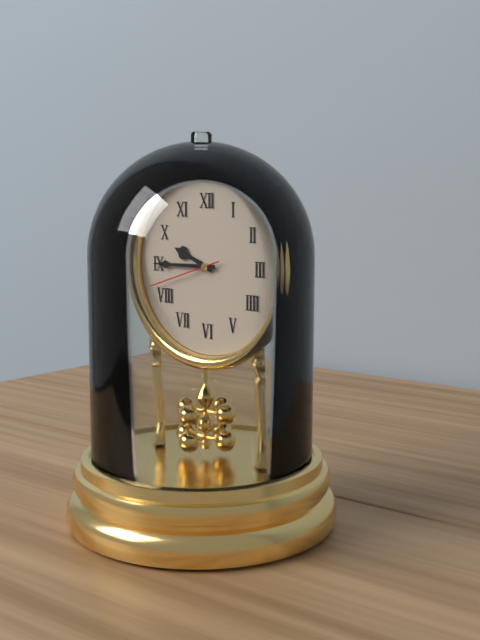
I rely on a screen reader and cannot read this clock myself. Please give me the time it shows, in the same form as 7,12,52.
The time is 9,45,42
